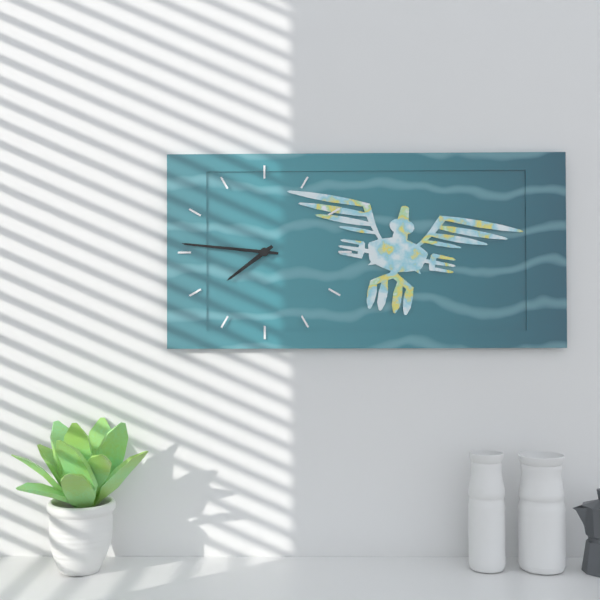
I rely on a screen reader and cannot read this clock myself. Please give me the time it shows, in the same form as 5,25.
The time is 7,46
